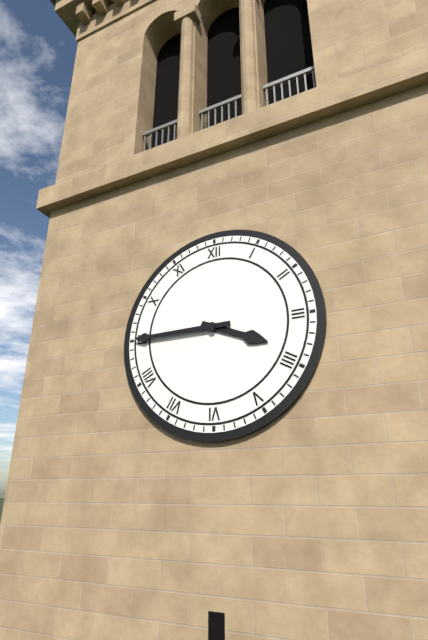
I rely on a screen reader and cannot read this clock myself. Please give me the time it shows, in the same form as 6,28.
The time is 3,45
